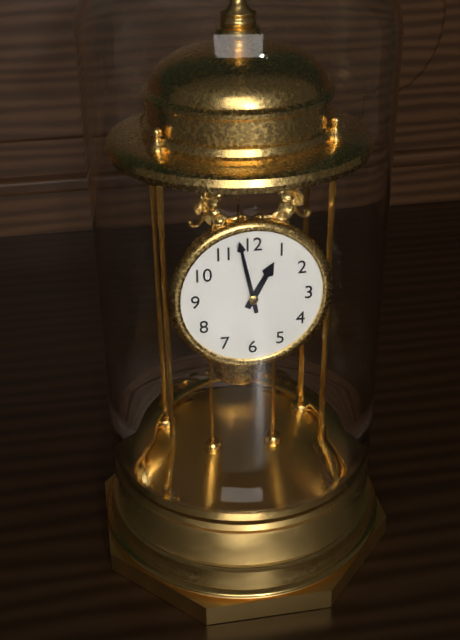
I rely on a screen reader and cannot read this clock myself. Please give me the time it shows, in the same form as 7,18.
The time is 12,58
